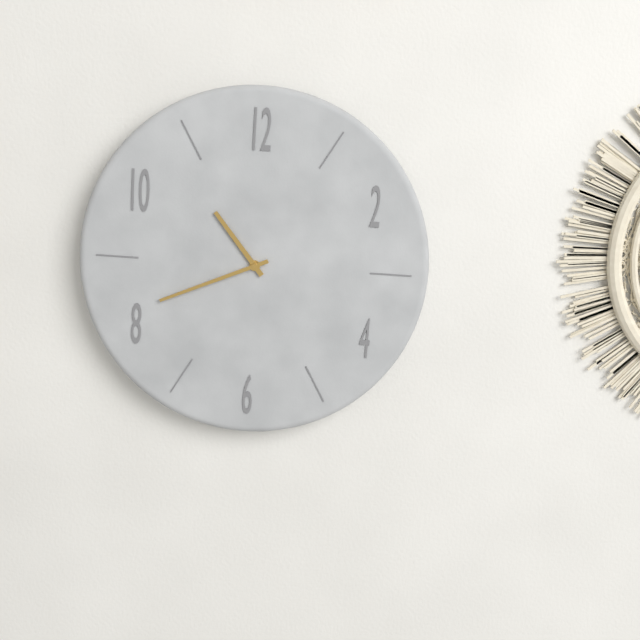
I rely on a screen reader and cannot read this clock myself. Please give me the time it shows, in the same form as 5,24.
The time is 10,41
